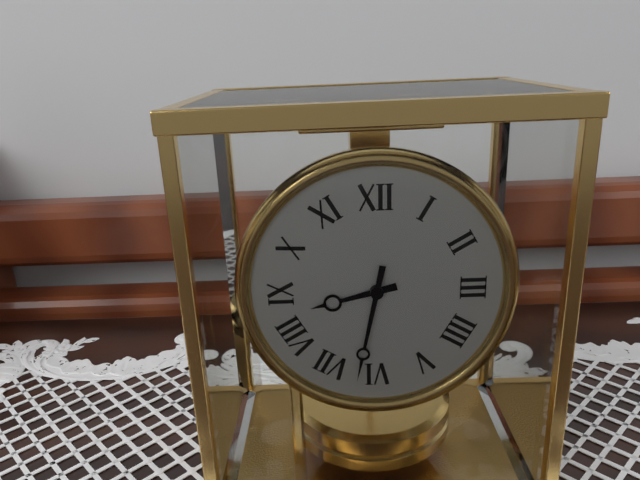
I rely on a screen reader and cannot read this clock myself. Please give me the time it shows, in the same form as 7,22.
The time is 8,32
